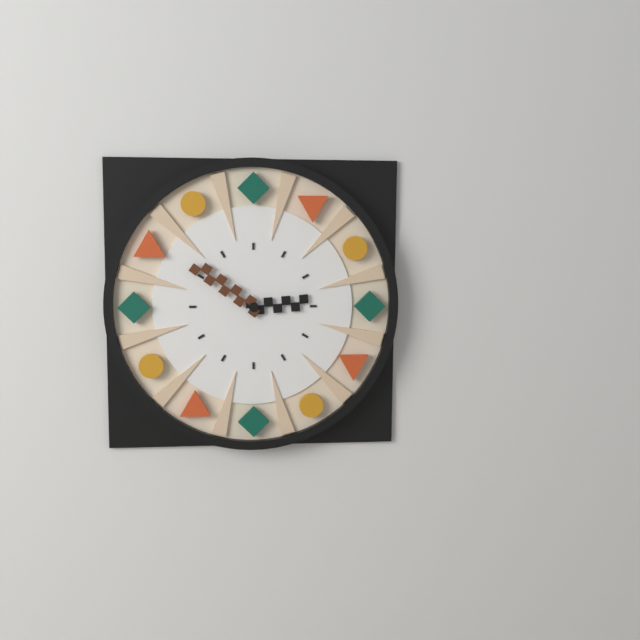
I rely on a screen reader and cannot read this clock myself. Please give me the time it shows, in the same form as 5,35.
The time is 2,51
